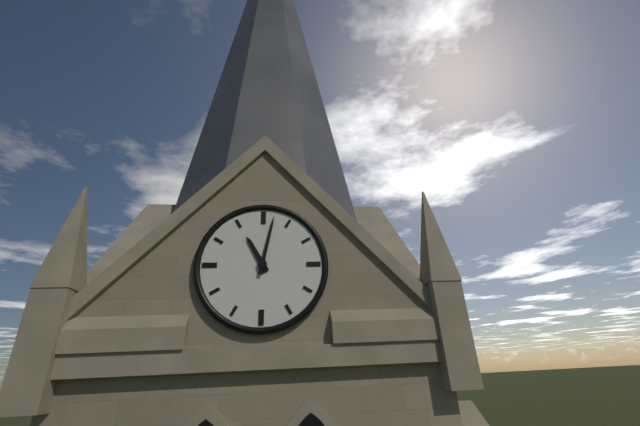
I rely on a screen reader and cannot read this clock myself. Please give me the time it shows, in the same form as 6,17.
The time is 11,02
